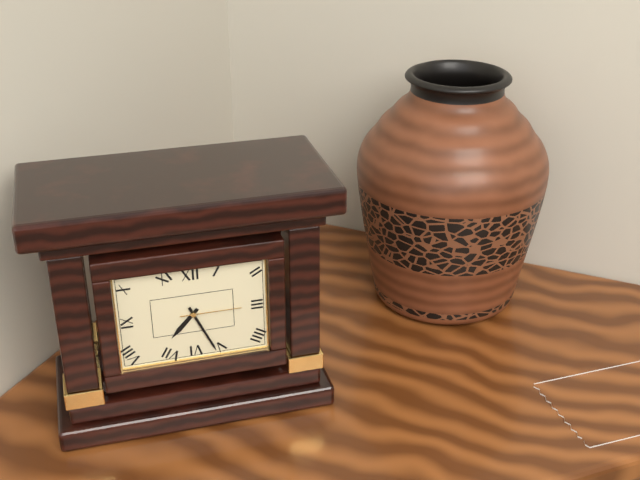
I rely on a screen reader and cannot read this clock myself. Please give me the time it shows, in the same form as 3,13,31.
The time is 7,26,15
